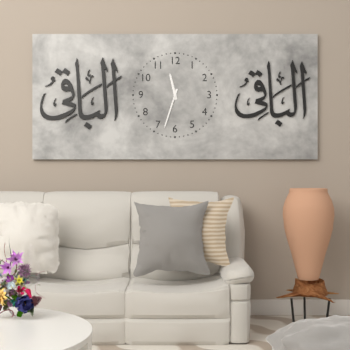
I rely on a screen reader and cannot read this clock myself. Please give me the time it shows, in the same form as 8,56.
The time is 11,33
